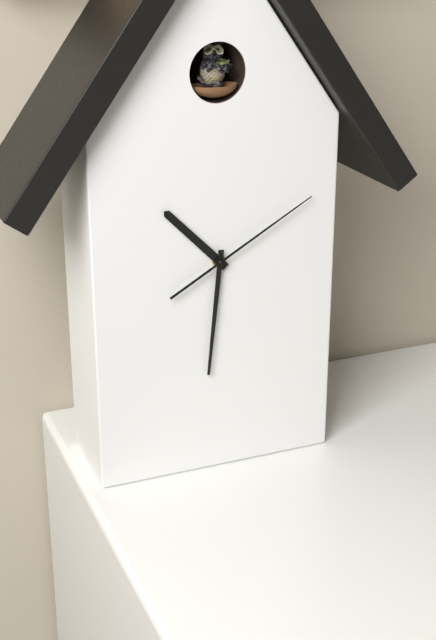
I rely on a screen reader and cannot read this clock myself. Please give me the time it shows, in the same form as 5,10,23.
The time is 10,31,10
